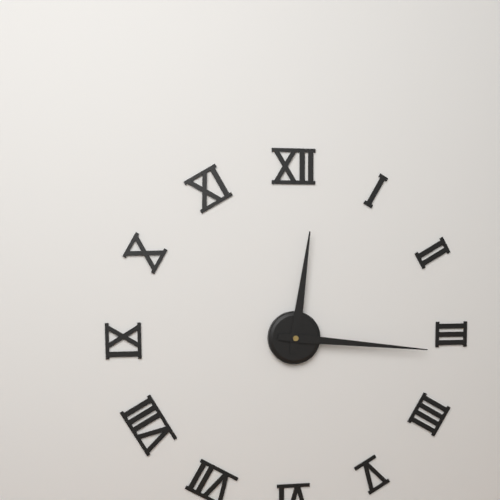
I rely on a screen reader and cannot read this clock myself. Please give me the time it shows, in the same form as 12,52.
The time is 12,16
